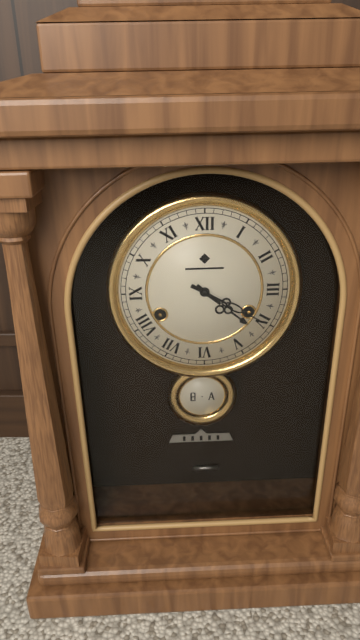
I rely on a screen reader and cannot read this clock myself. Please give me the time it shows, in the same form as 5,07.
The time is 4,20
